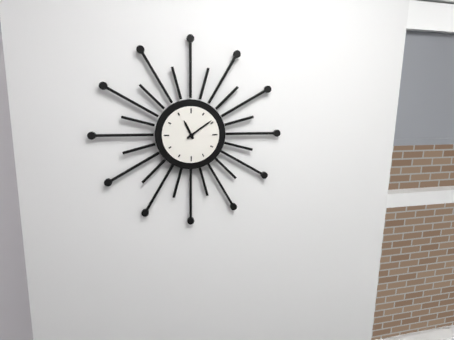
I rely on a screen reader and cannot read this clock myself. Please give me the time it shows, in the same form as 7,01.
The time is 11,09
